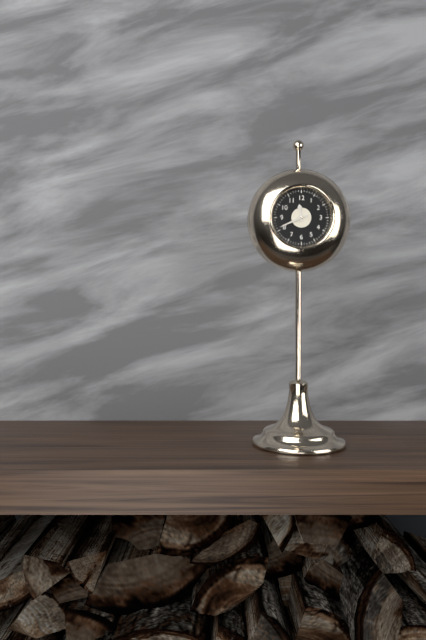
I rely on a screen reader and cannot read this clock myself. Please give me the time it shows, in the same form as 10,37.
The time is 11,41
